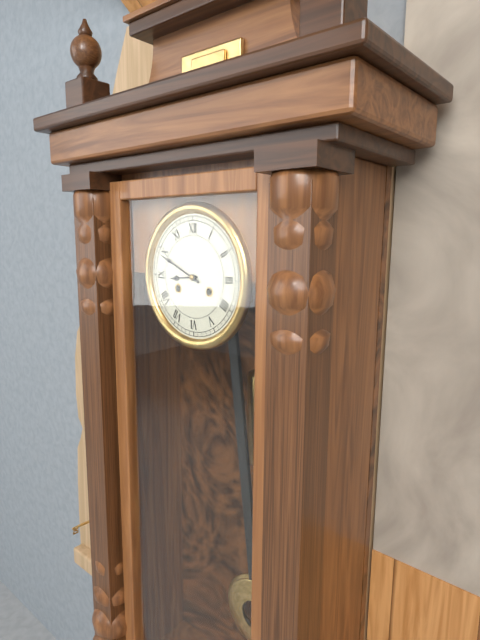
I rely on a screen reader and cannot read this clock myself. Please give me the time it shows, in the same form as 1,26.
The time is 8,49
